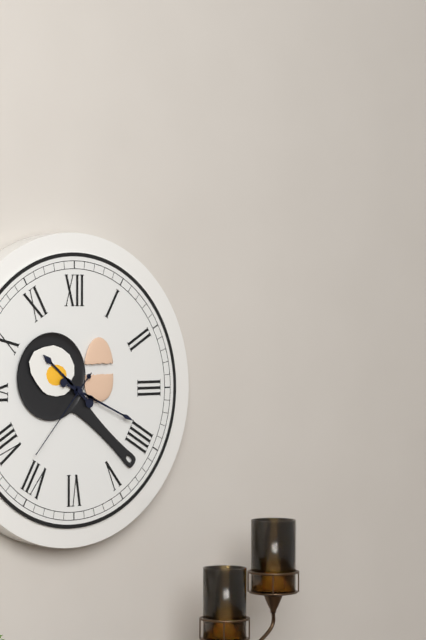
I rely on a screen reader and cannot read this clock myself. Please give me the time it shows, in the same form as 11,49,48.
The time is 10,19,37
